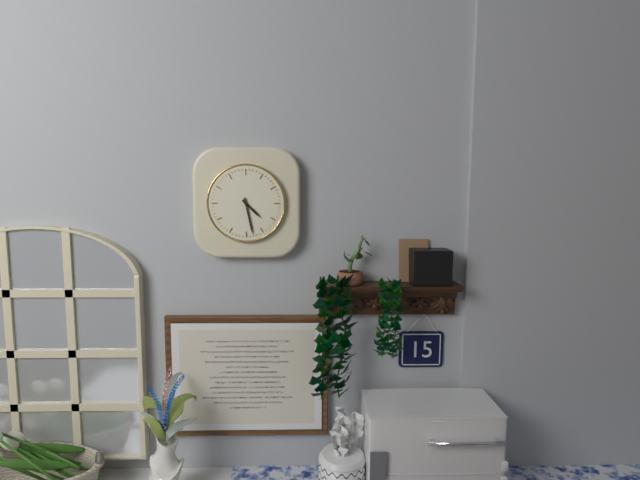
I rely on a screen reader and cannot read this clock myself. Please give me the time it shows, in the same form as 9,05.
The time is 4,28
